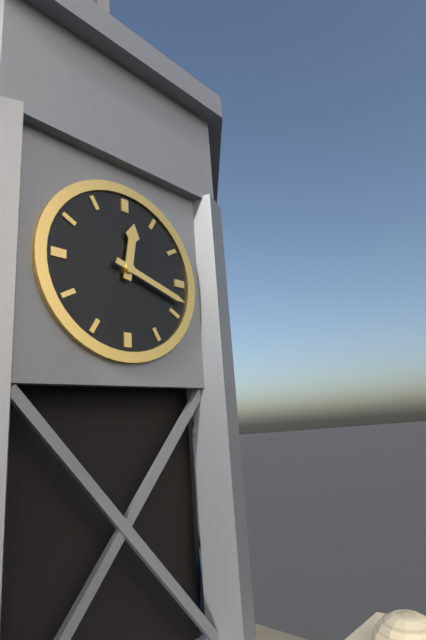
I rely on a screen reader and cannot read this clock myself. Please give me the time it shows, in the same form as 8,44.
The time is 12,18
